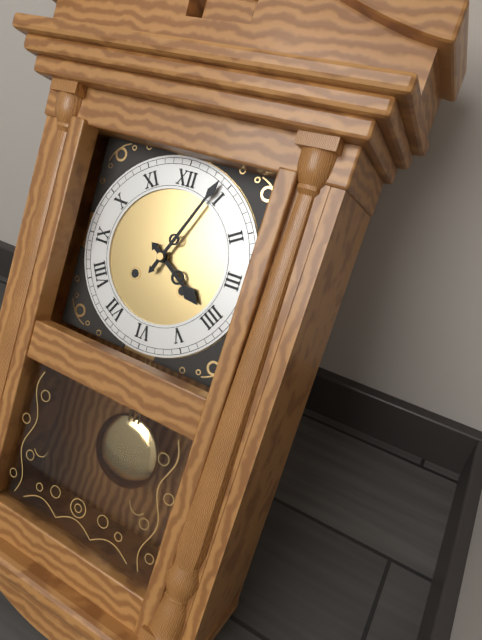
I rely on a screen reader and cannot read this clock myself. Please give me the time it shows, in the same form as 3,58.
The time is 4,04
